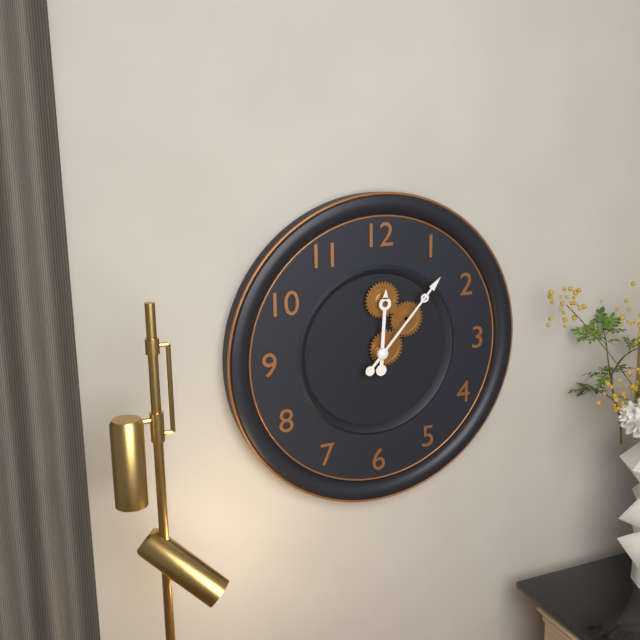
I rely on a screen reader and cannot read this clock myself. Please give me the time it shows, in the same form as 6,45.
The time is 12,07
